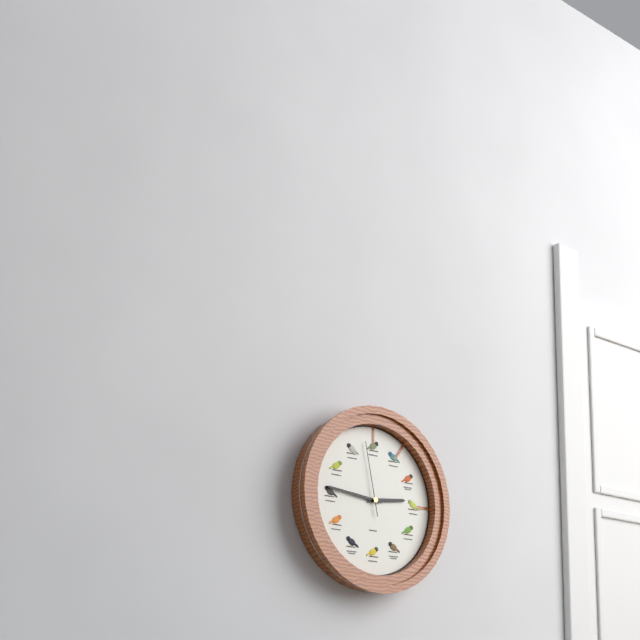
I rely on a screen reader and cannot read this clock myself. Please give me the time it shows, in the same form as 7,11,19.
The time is 2,46,58
